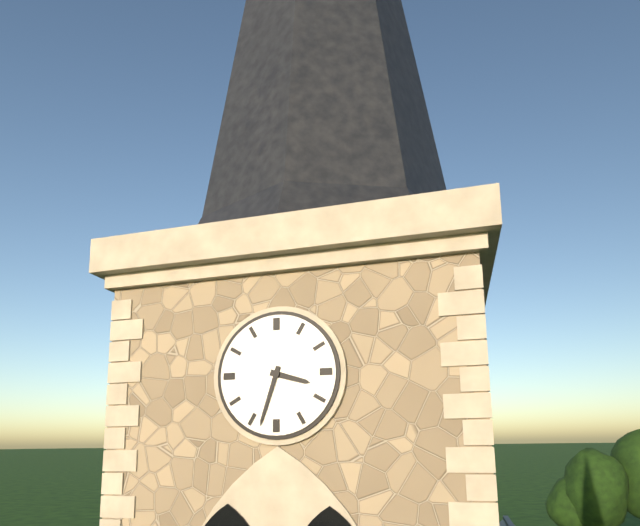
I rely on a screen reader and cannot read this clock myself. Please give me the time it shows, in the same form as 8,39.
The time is 3,33
